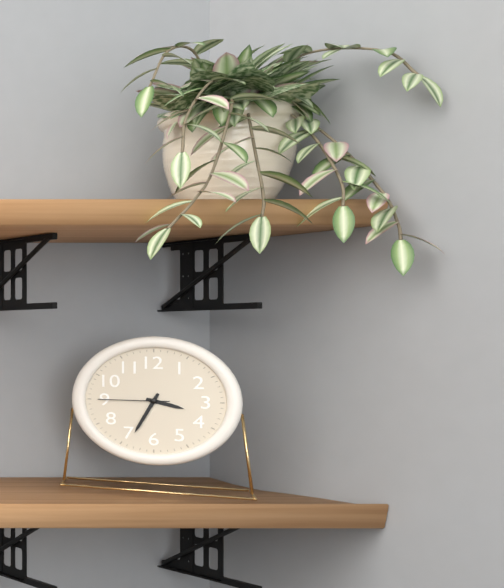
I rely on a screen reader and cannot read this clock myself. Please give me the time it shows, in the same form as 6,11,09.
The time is 3,34,45
